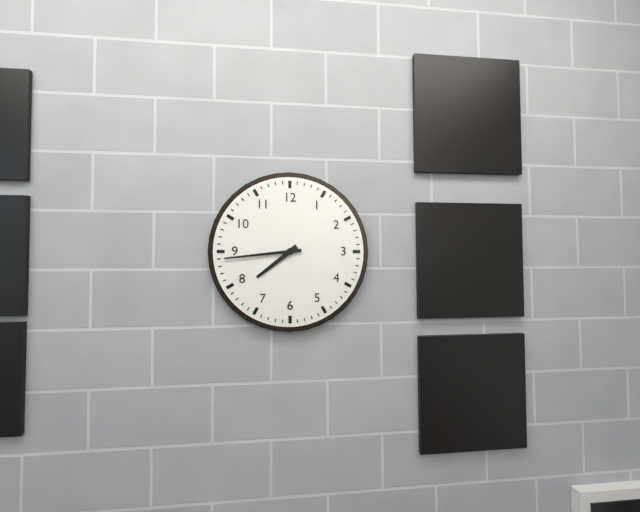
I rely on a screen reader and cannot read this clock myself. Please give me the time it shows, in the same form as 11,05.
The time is 7,44
